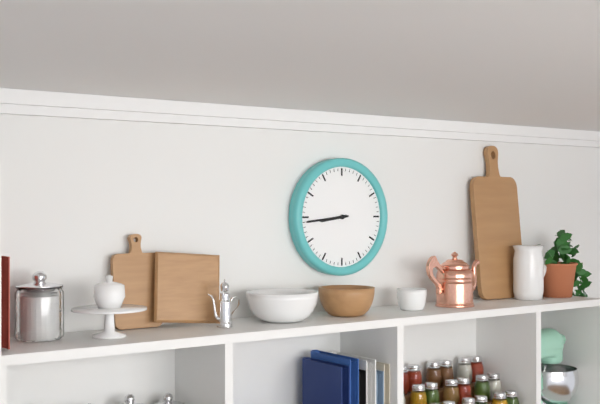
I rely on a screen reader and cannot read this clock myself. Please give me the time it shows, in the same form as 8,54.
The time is 8,44
